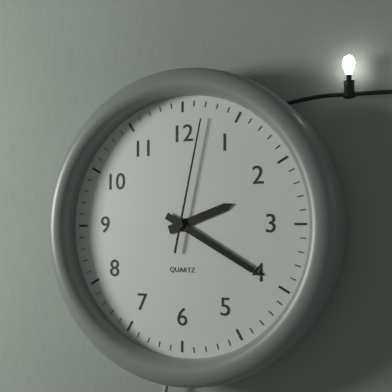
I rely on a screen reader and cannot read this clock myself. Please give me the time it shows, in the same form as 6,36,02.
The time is 2,20,02
